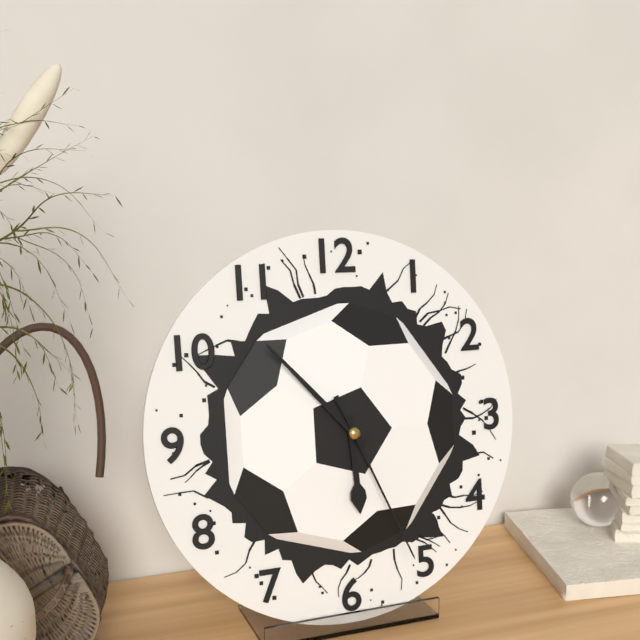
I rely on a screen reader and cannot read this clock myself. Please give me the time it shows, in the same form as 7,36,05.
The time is 5,53,26
